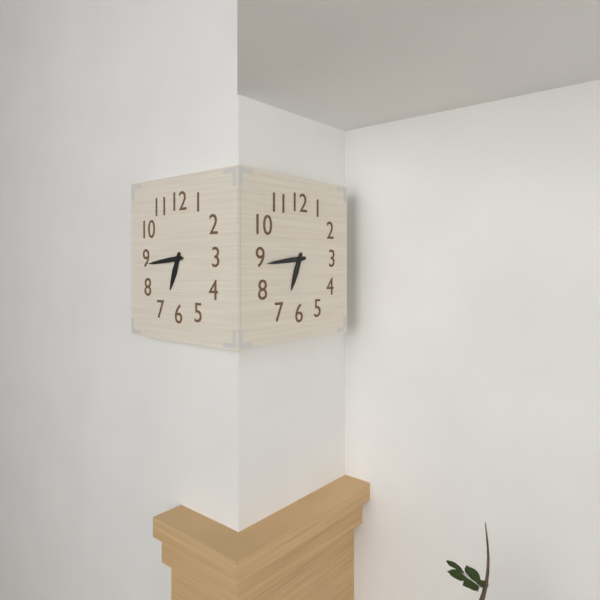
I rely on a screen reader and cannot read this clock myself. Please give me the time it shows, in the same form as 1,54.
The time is 6,44
